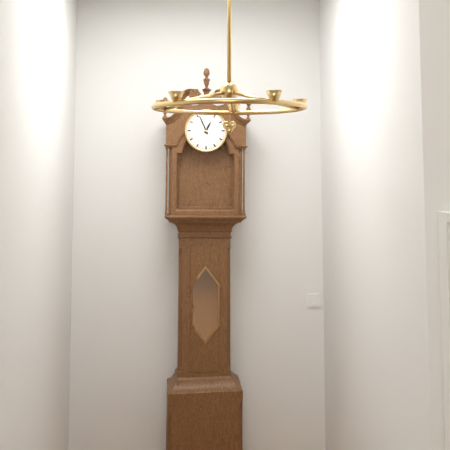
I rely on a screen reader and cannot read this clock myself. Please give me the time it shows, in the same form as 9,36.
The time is 12,56
